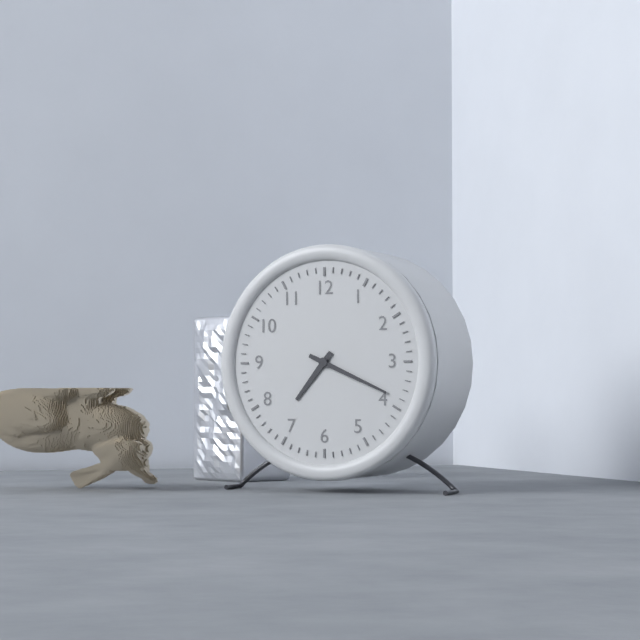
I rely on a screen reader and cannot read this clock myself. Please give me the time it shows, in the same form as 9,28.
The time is 7,19
